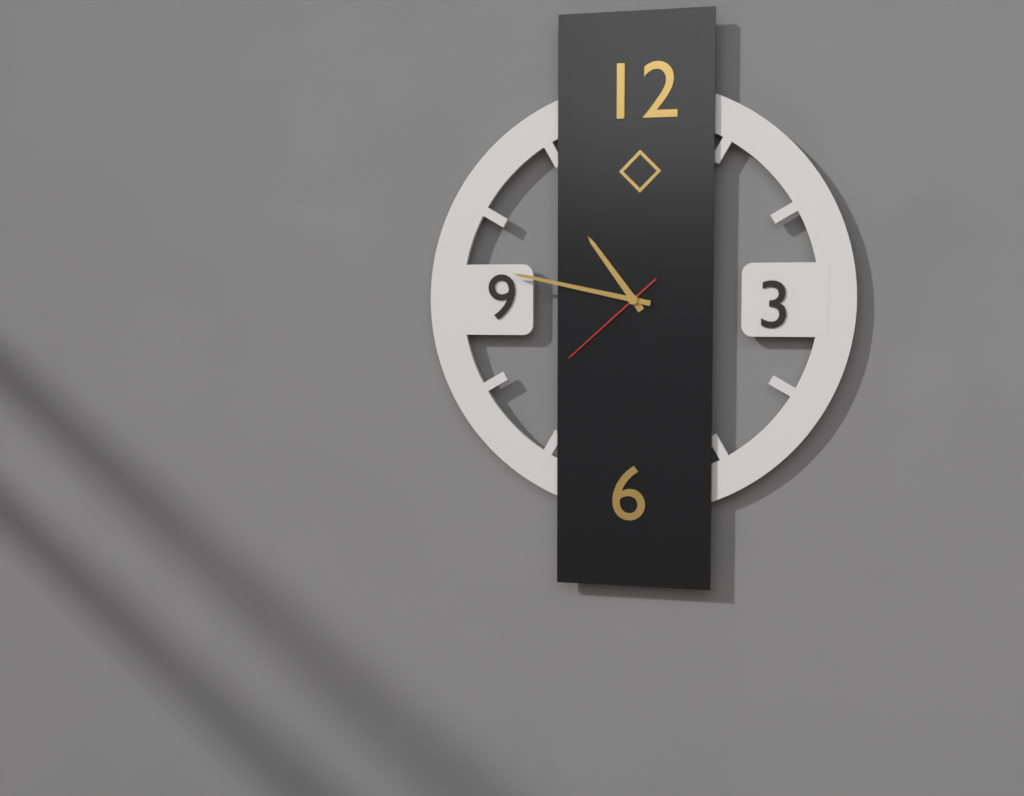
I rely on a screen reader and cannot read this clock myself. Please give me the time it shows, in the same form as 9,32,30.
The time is 10,47,38
